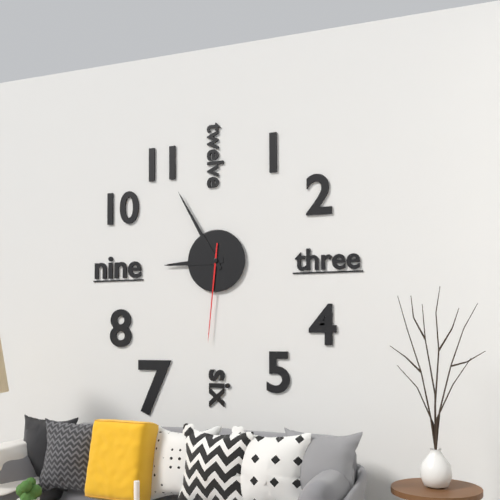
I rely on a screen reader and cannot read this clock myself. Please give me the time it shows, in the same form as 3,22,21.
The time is 8,55,31
